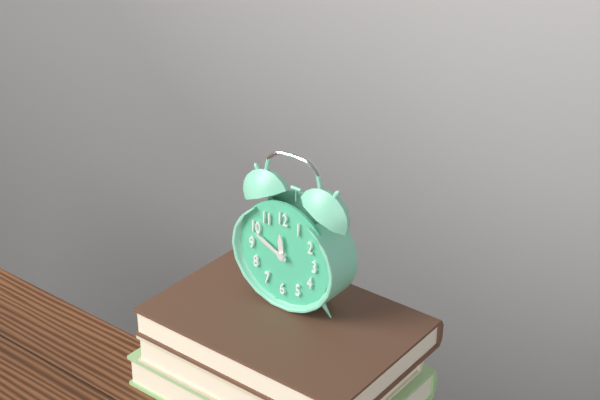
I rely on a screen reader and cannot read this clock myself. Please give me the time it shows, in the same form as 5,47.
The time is 11,49
